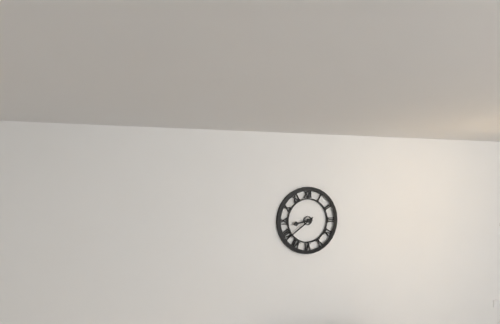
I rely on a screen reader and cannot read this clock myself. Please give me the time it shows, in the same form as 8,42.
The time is 8,39
